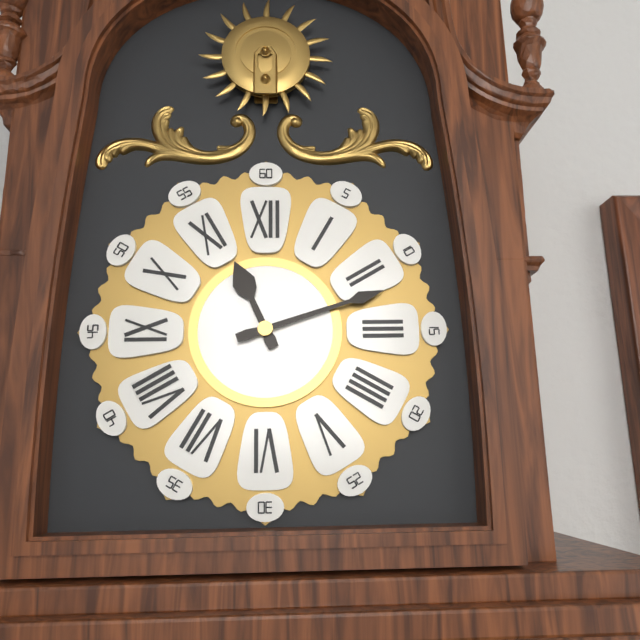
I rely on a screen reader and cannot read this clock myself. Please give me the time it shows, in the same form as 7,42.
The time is 11,12
